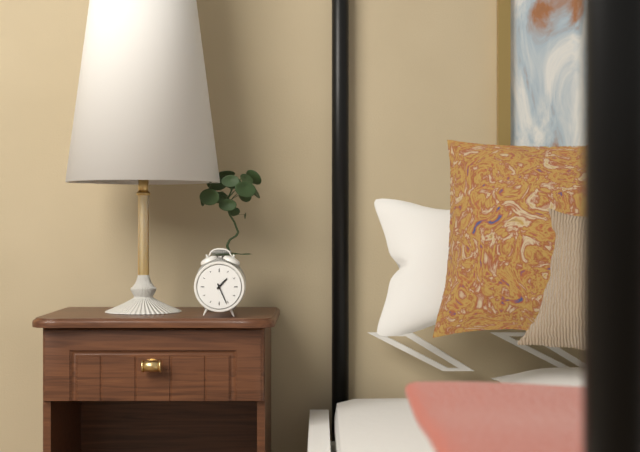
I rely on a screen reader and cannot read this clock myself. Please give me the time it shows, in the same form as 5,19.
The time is 1,26
